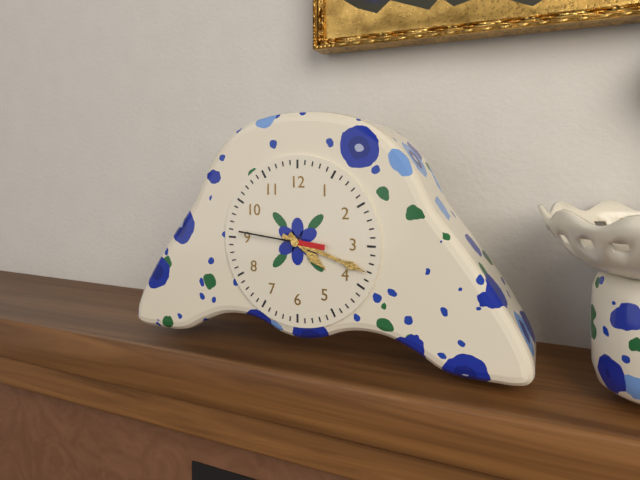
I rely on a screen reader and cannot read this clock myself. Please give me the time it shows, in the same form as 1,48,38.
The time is 4,18,46
